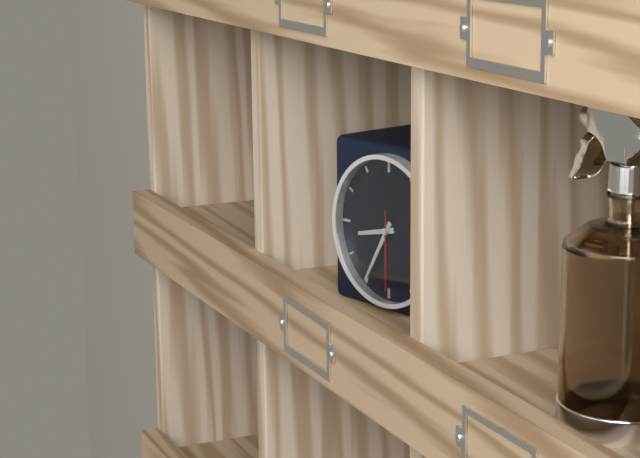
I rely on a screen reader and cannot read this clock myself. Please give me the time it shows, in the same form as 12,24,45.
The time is 8,35,30
